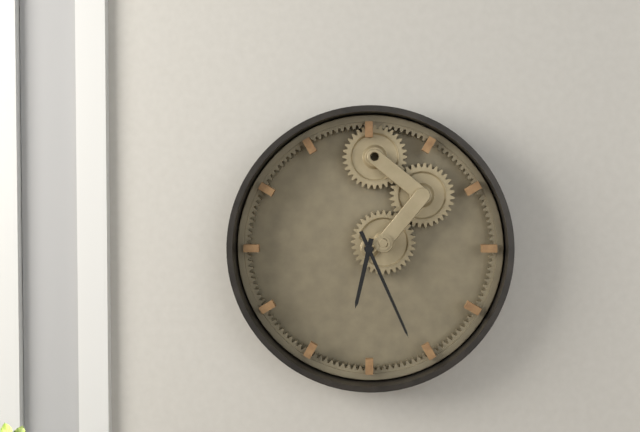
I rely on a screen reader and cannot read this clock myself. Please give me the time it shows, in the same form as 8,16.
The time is 6,26
